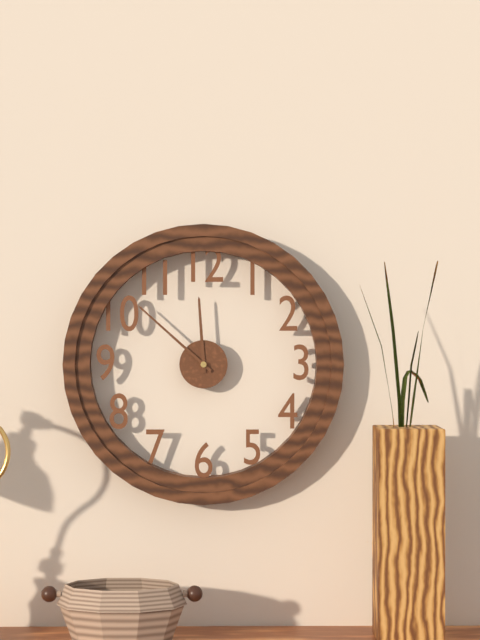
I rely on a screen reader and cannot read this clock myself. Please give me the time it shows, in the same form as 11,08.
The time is 11,52
